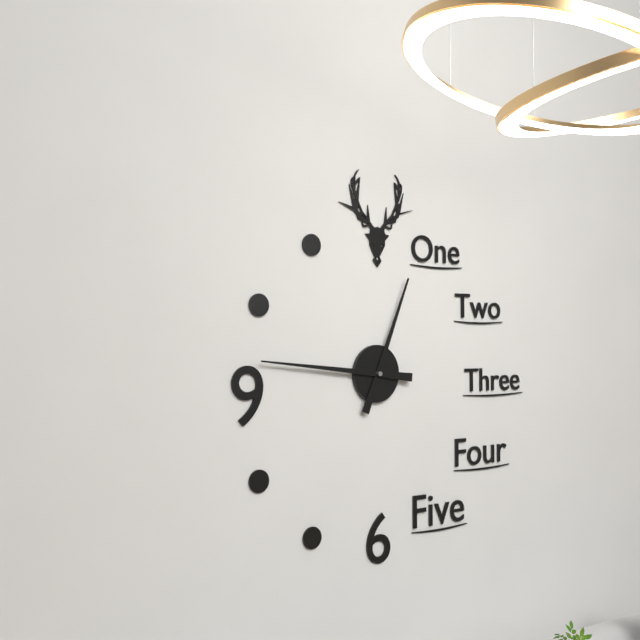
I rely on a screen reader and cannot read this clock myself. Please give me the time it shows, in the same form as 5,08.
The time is 12,46
